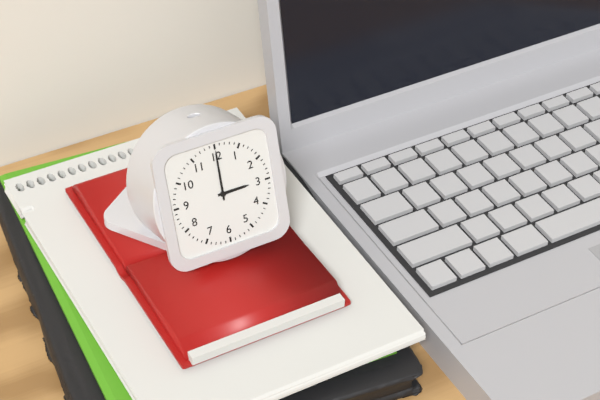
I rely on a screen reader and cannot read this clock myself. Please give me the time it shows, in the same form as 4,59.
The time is 3,00
